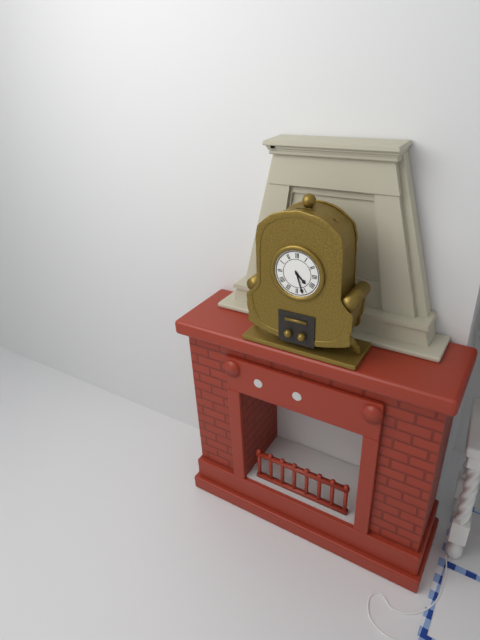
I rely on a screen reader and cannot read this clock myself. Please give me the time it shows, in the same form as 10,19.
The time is 4,27
